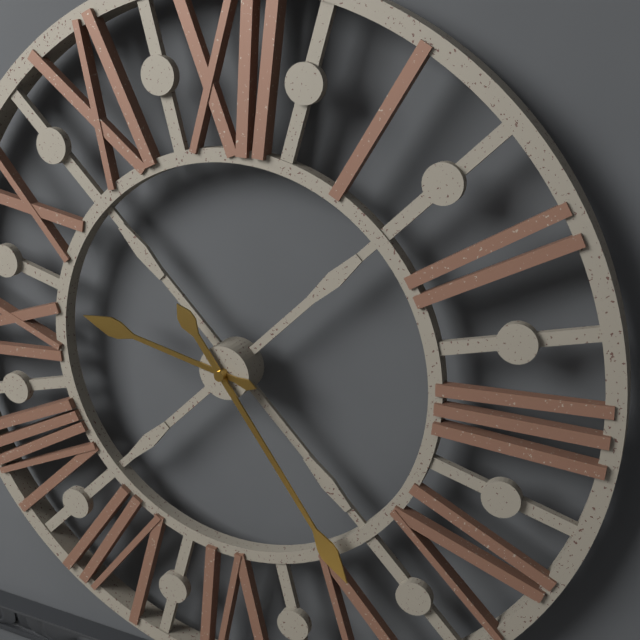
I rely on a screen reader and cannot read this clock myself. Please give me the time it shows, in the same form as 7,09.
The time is 9,24
